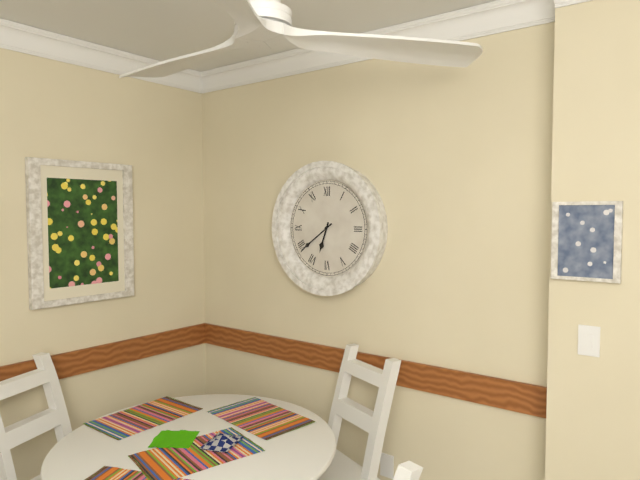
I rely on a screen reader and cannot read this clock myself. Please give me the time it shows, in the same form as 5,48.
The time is 6,39
